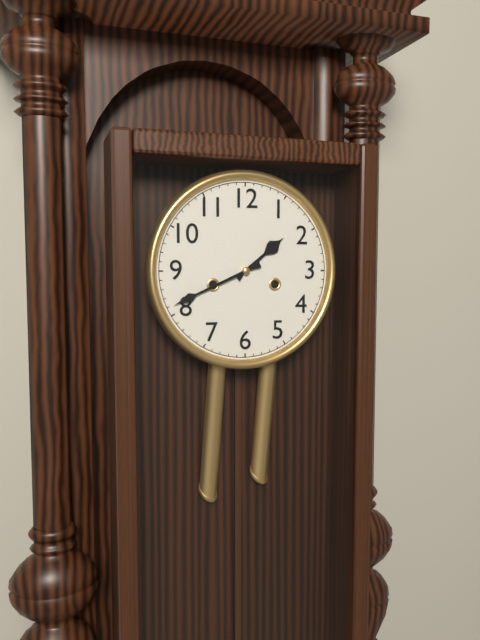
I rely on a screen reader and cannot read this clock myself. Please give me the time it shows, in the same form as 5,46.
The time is 1,41
